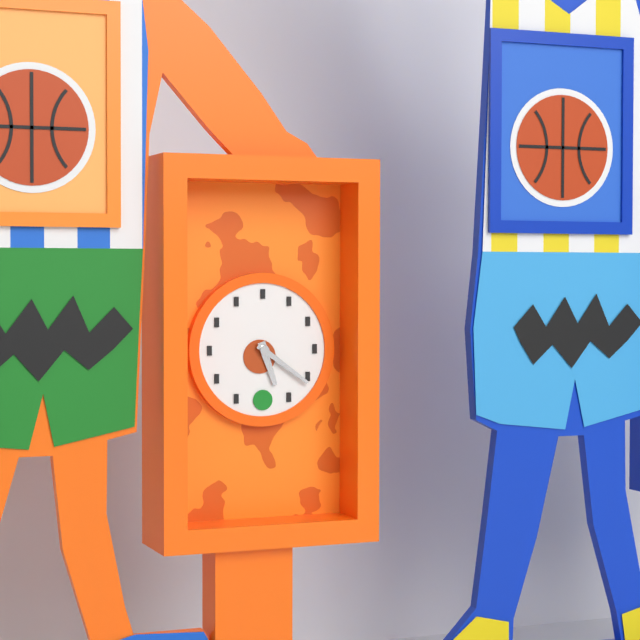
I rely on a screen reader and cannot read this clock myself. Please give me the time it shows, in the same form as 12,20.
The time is 5,21
